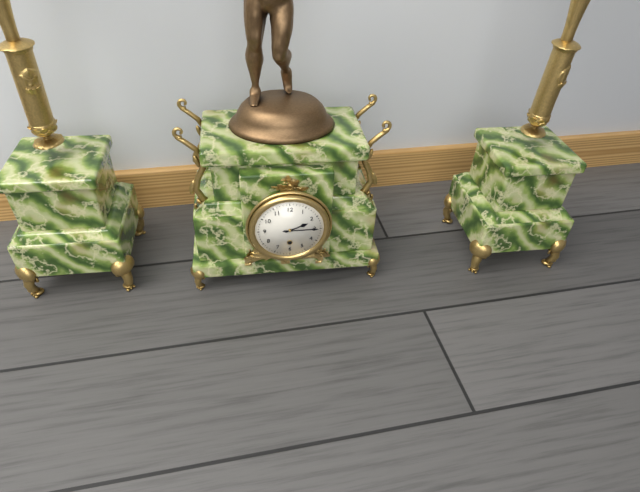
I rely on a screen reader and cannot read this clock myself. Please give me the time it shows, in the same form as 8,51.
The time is 2,15
